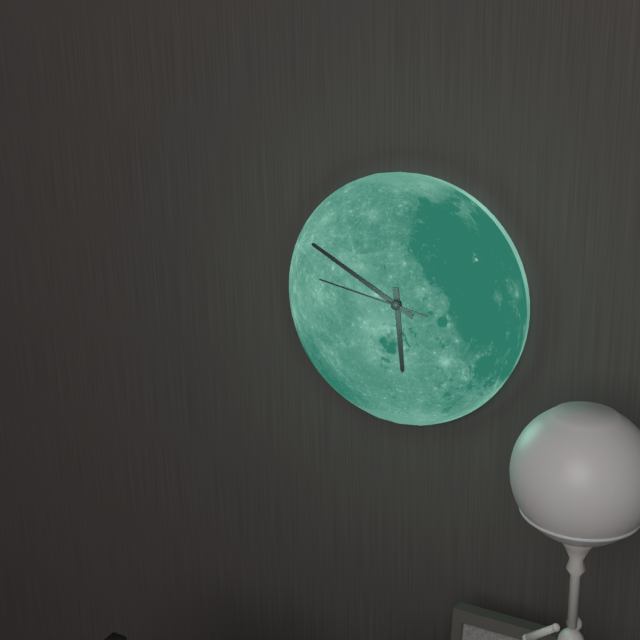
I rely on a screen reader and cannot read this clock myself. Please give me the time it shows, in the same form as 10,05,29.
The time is 5,50,47
